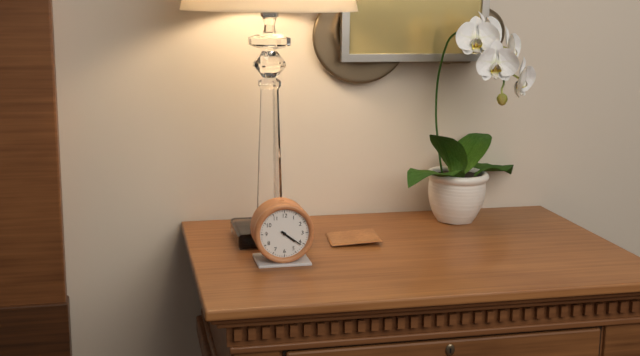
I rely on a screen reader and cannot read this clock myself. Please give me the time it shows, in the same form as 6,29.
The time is 4,21
